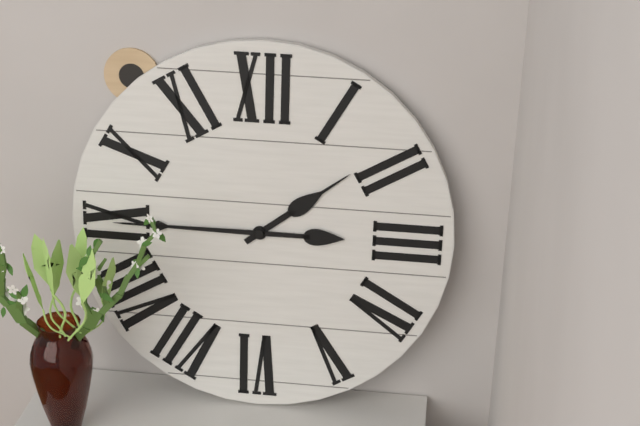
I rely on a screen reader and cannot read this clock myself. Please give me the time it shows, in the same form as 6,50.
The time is 1,45
